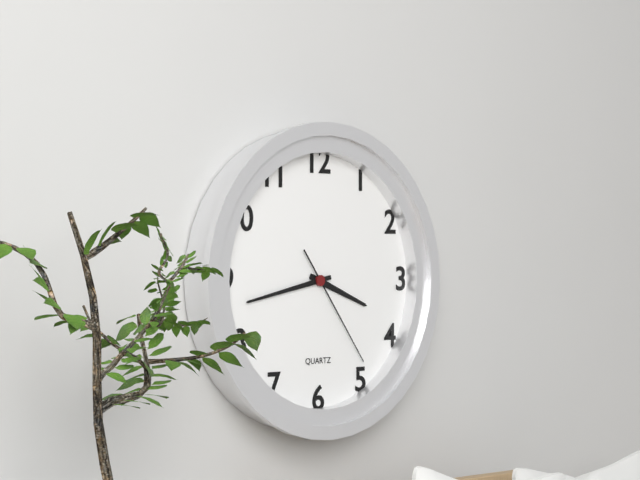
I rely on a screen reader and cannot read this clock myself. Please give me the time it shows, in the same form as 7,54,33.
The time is 3,43,24
